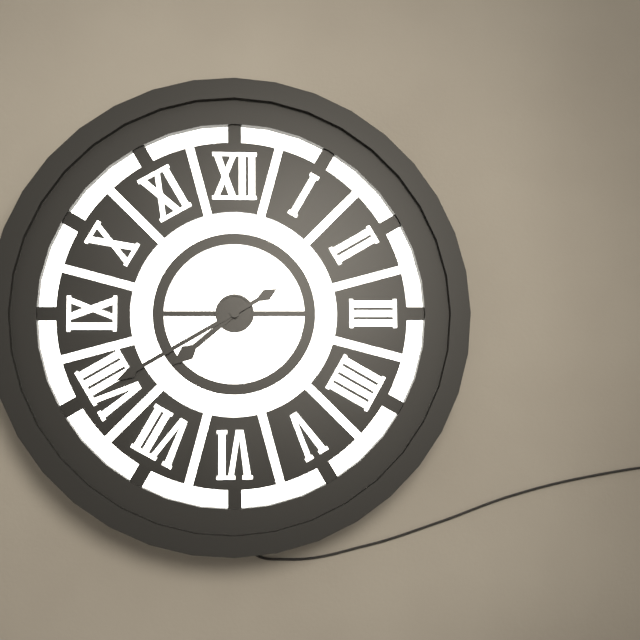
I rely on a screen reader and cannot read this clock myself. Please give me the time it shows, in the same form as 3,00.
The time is 7,40
